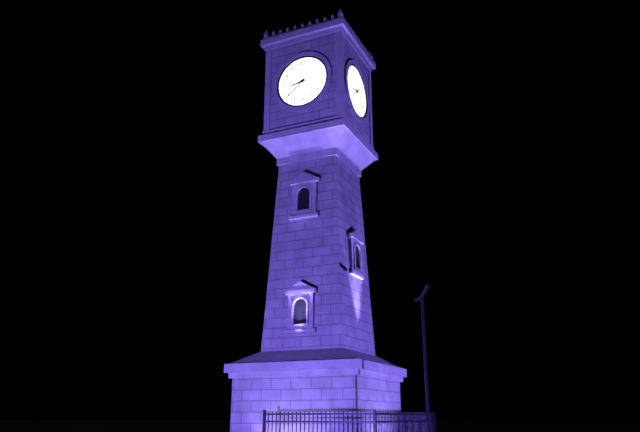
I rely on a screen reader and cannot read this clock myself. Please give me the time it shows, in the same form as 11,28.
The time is 8,38
